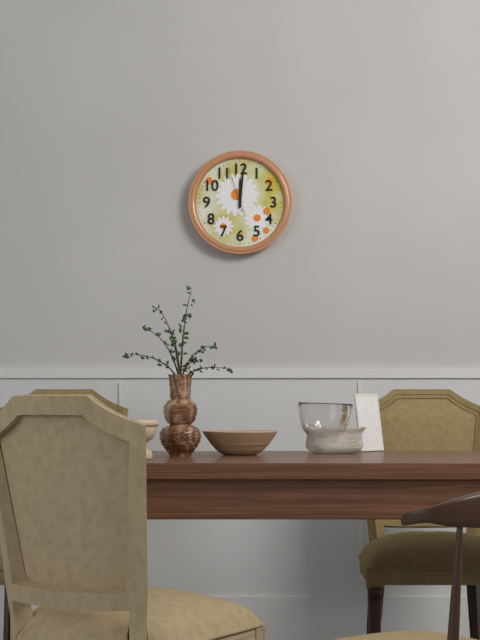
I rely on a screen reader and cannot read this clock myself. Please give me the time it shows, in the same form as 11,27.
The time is 12,01
